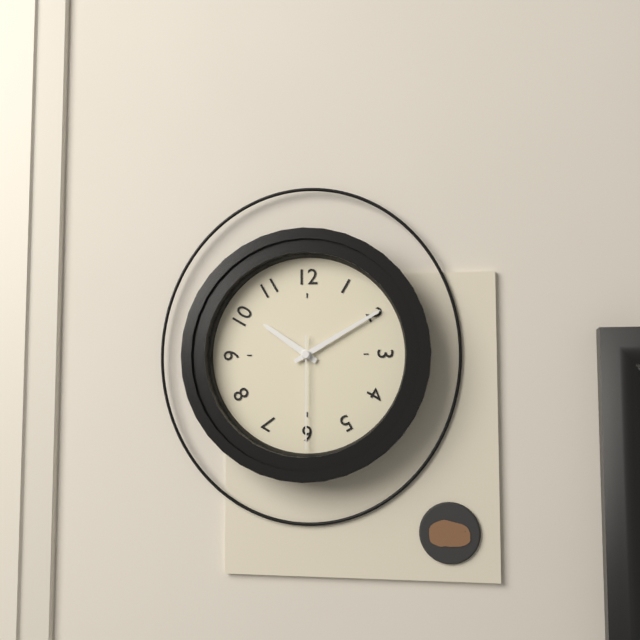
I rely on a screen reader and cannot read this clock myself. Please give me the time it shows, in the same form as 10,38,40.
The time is 10,10,30
